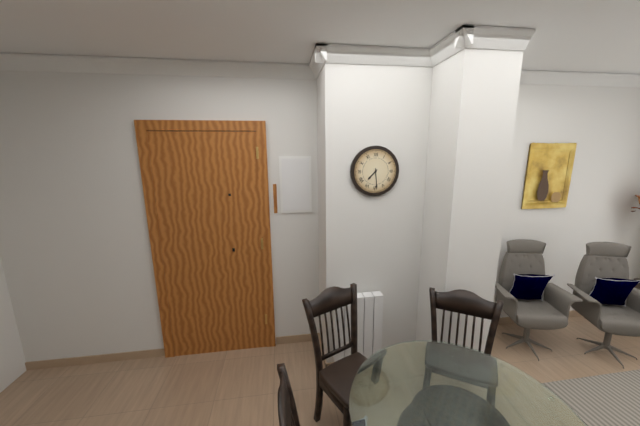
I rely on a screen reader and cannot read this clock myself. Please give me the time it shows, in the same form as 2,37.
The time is 7,29
